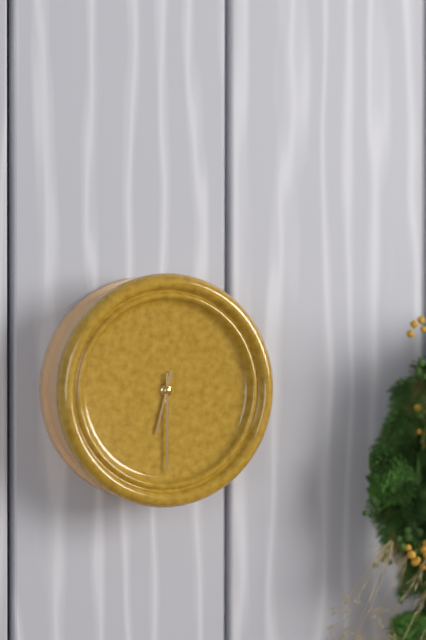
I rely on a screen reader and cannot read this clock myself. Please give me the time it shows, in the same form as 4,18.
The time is 6,30
